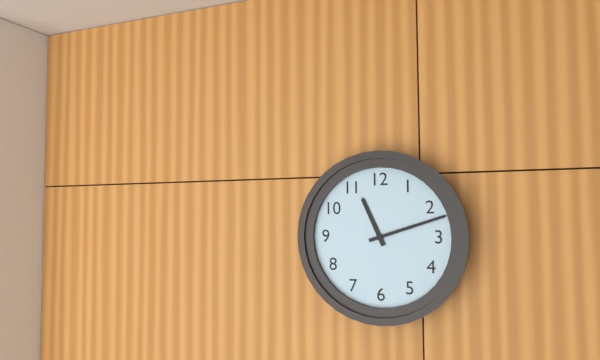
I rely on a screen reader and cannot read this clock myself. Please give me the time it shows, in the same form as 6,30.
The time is 11,12
